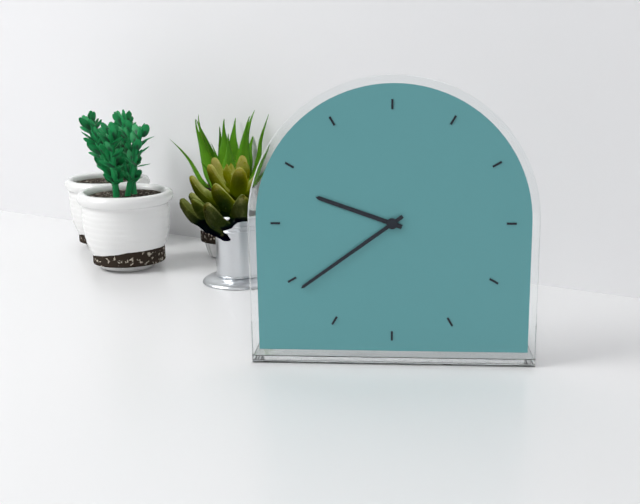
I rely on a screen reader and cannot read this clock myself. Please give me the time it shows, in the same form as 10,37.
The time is 9,39
